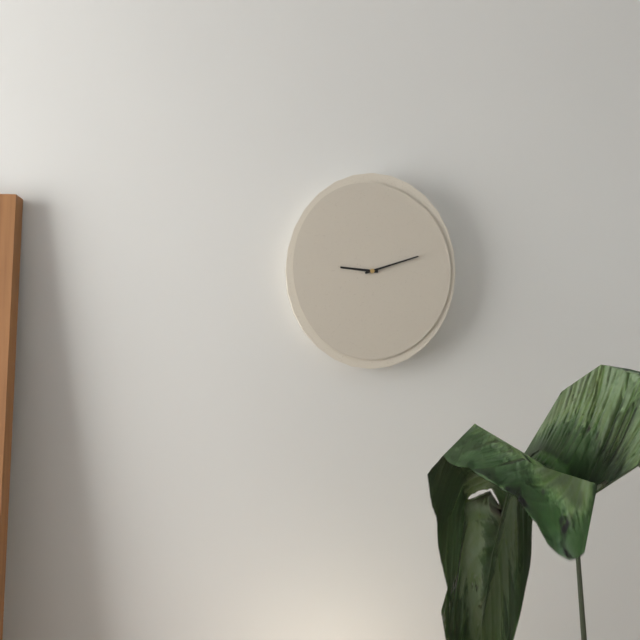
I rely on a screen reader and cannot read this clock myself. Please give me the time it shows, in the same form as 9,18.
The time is 9,12
